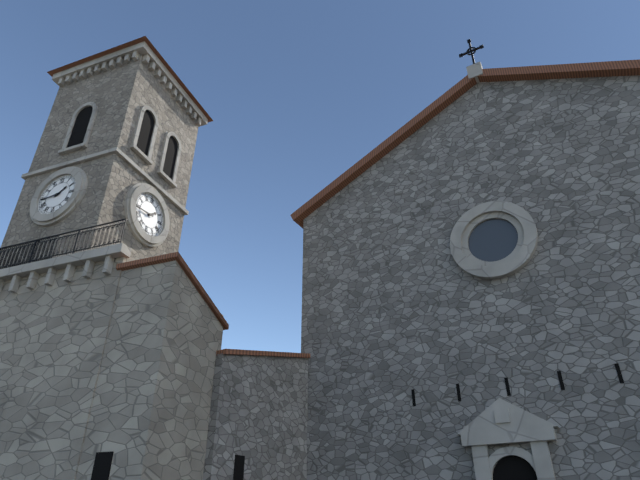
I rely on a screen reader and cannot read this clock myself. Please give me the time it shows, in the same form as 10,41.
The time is 1,44
